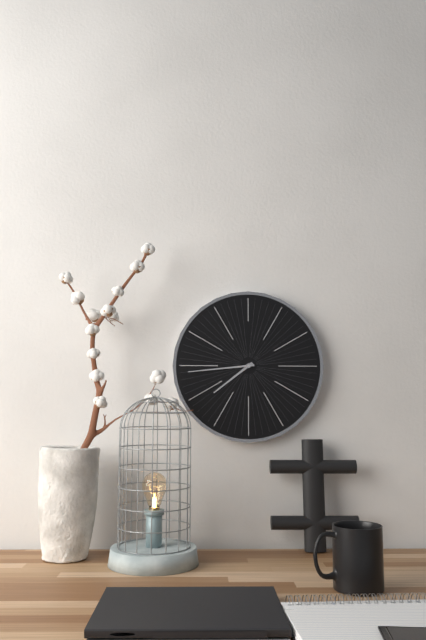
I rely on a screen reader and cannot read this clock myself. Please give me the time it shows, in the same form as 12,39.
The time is 7,44
